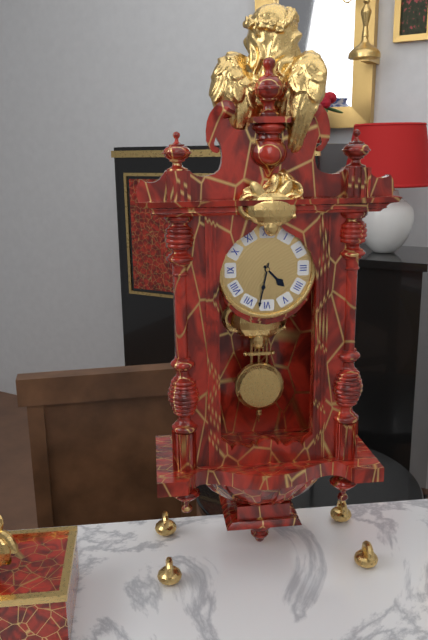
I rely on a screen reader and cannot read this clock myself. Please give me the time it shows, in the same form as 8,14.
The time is 4,32
